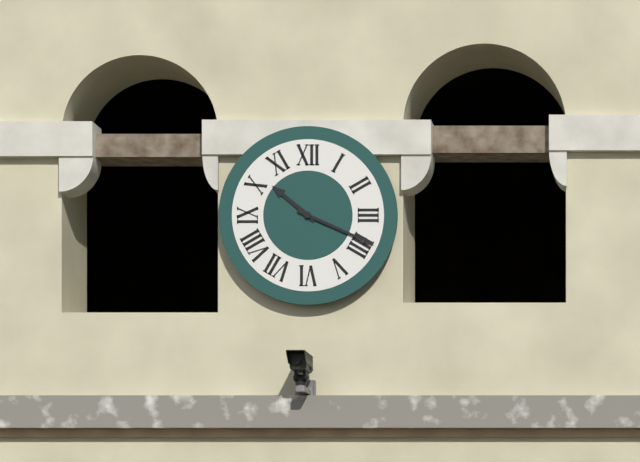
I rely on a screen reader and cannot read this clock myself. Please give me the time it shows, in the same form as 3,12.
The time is 10,19
